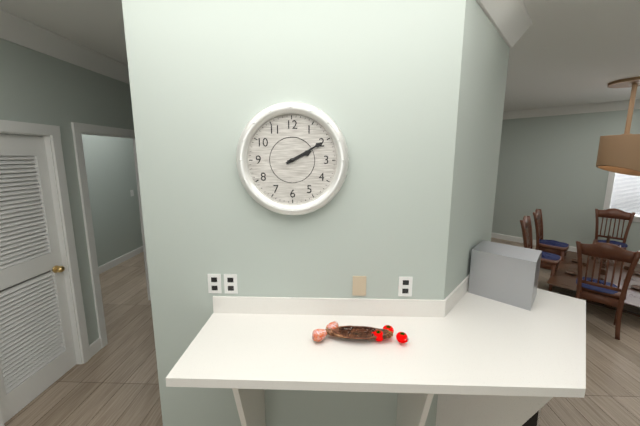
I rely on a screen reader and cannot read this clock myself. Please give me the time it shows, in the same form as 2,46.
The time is 2,10
